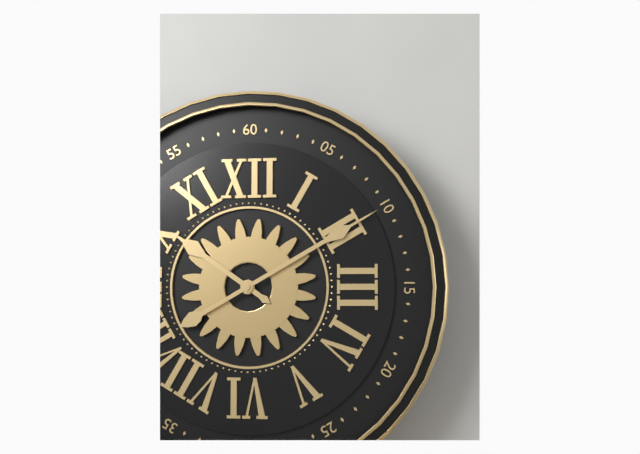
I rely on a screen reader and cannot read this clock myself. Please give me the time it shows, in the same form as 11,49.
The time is 10,10
